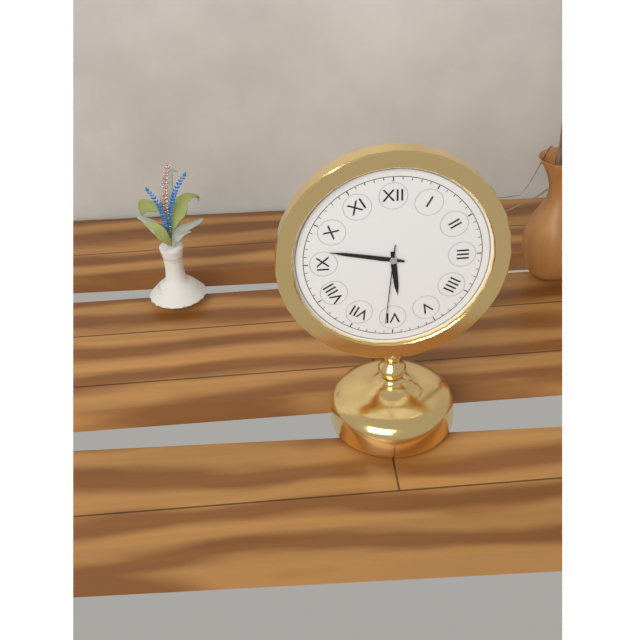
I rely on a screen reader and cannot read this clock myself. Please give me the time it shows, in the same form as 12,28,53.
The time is 5,47,31
